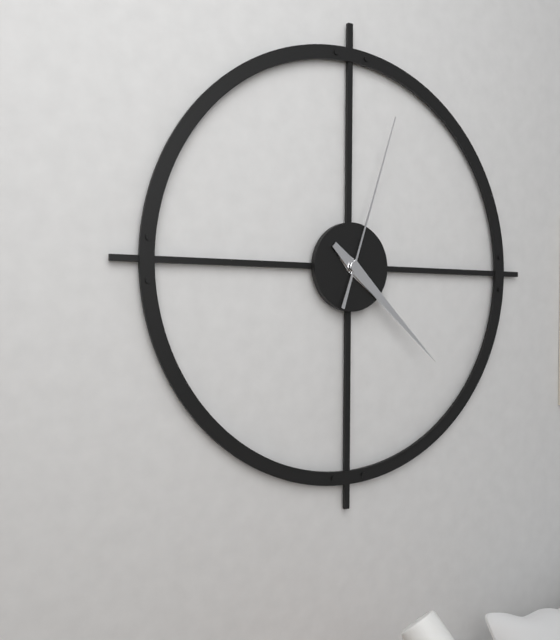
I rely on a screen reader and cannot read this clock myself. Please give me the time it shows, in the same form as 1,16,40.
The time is 4,22,03
